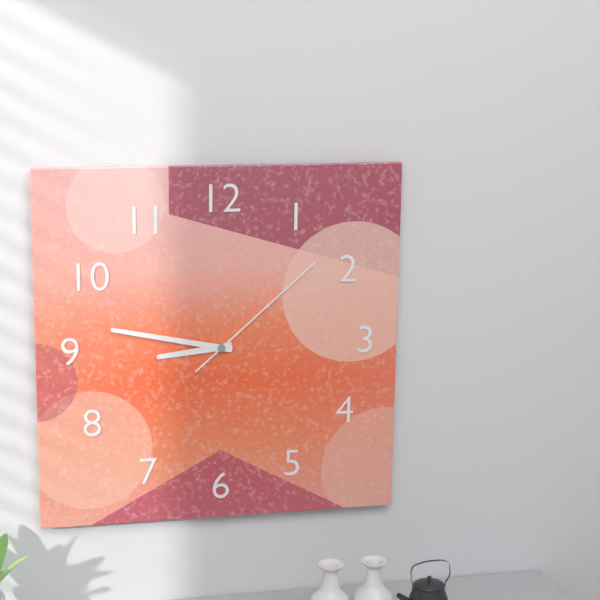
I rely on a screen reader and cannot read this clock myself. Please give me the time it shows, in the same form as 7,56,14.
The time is 8,47,08
